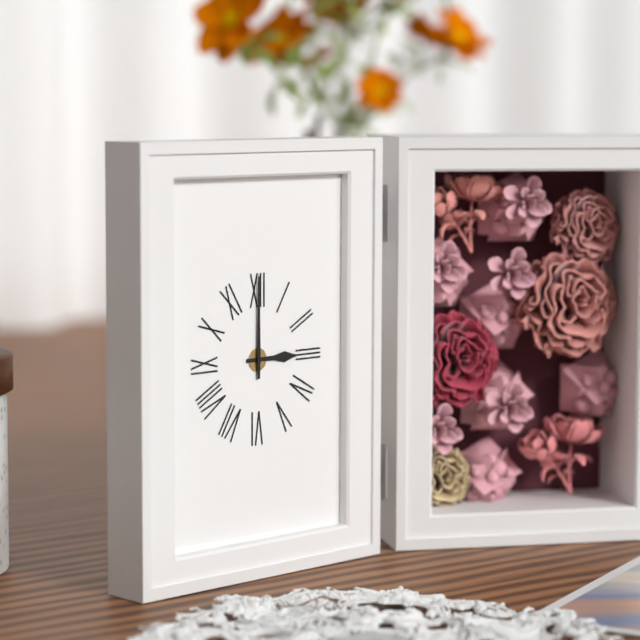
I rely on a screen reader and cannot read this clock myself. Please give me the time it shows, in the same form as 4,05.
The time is 3,00
